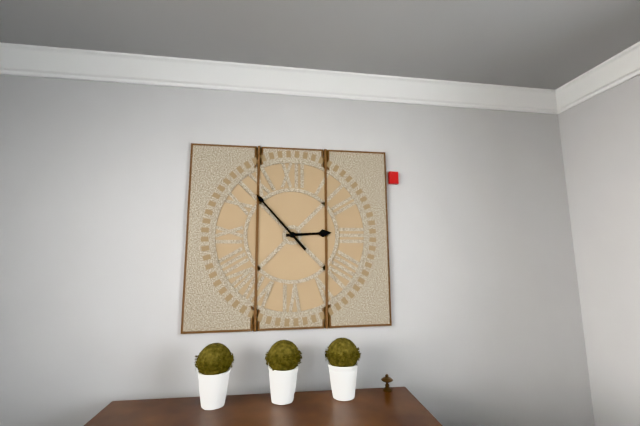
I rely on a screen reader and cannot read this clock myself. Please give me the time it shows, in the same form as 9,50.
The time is 2,53
